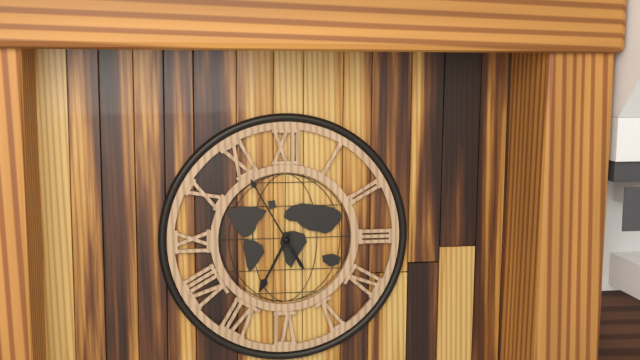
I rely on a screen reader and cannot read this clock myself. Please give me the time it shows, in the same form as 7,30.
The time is 6,55
